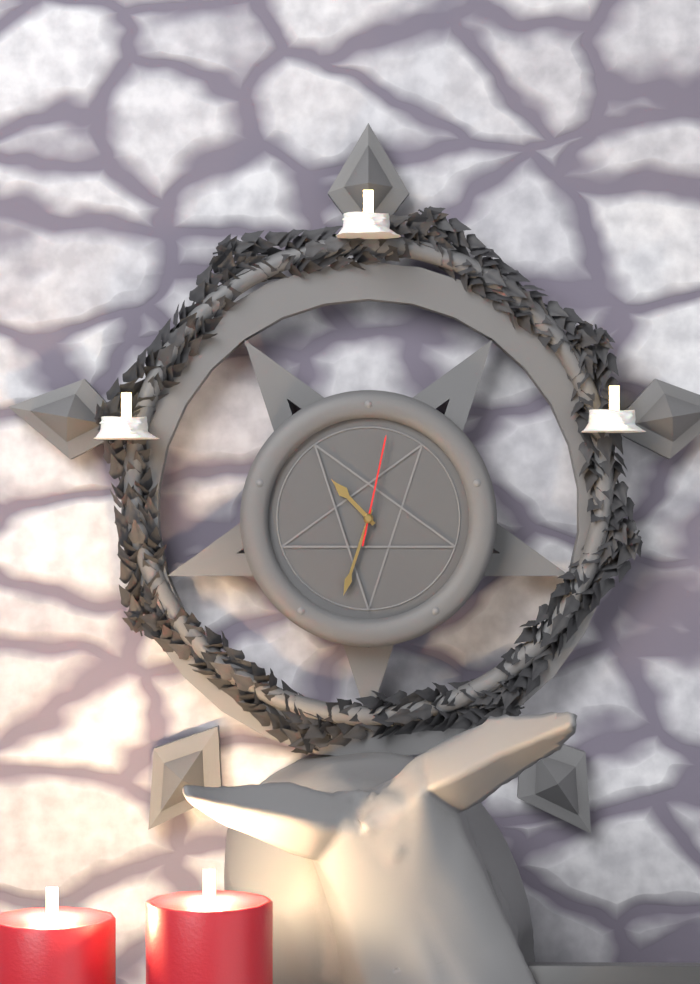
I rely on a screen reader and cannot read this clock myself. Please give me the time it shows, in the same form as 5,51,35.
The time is 10,33,02
